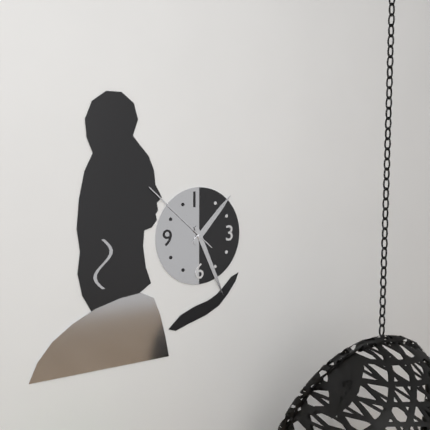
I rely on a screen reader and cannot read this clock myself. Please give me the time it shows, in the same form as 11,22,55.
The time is 1,26,52
